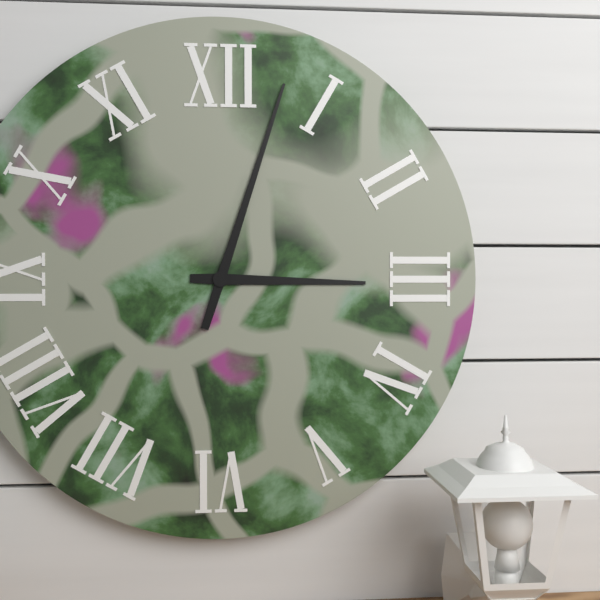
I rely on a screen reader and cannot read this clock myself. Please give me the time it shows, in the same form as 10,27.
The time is 3,03
